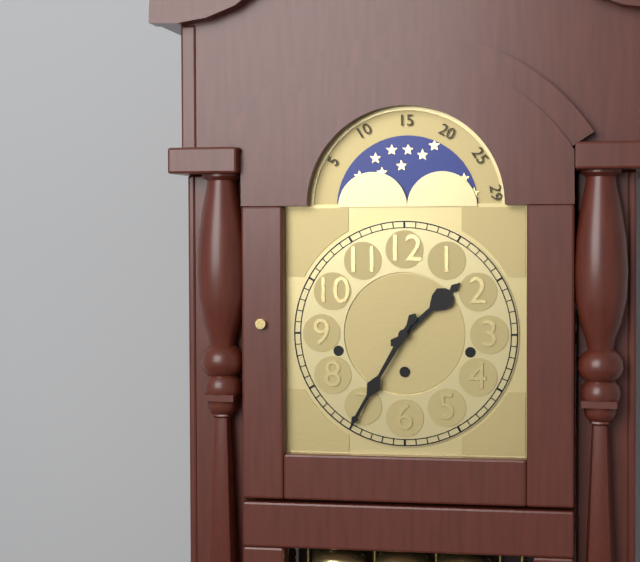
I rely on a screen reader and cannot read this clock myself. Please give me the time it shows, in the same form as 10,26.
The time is 1,35
